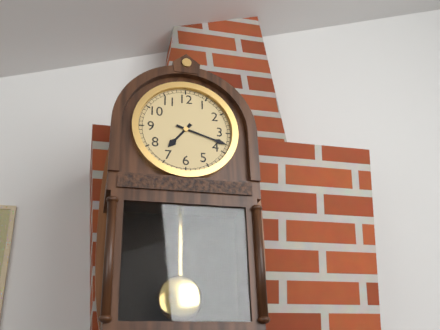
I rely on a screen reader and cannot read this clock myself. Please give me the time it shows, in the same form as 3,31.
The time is 7,18
